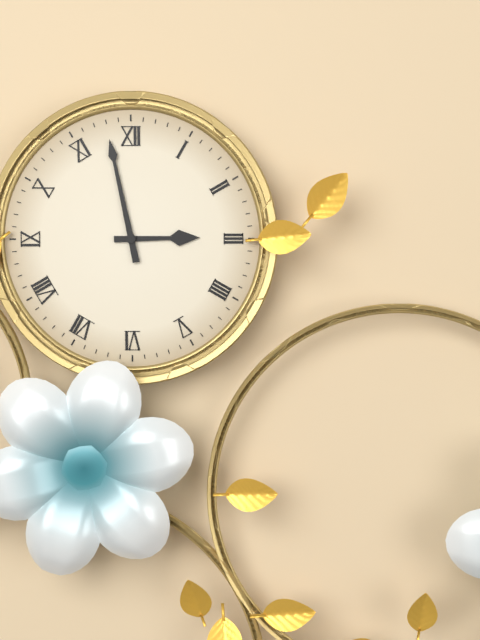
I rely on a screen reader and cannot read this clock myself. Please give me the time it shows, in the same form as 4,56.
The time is 2,58
